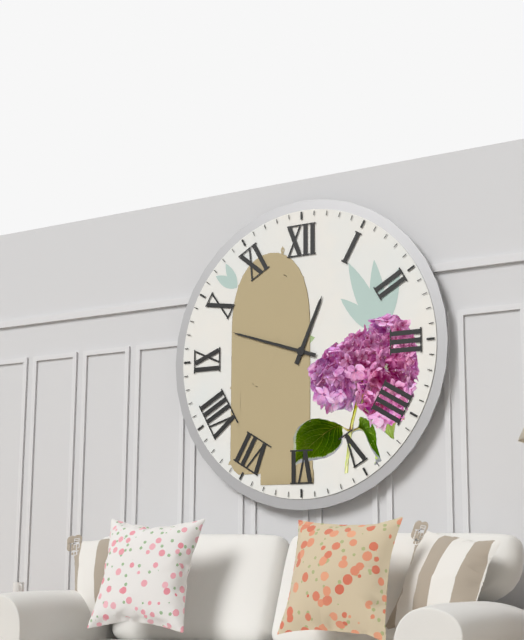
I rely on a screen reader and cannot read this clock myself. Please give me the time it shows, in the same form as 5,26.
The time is 12,48
